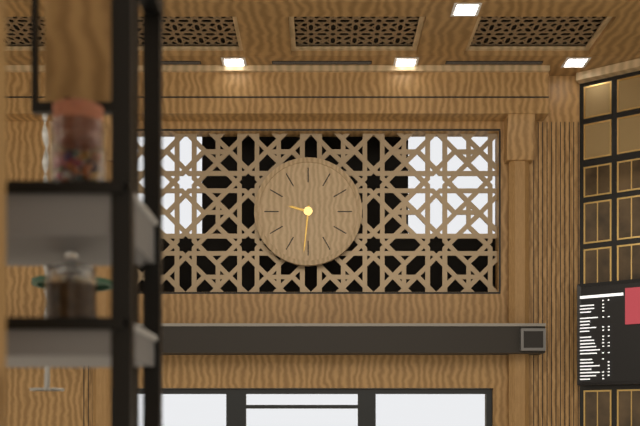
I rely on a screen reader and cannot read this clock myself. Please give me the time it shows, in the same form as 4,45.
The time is 9,31
